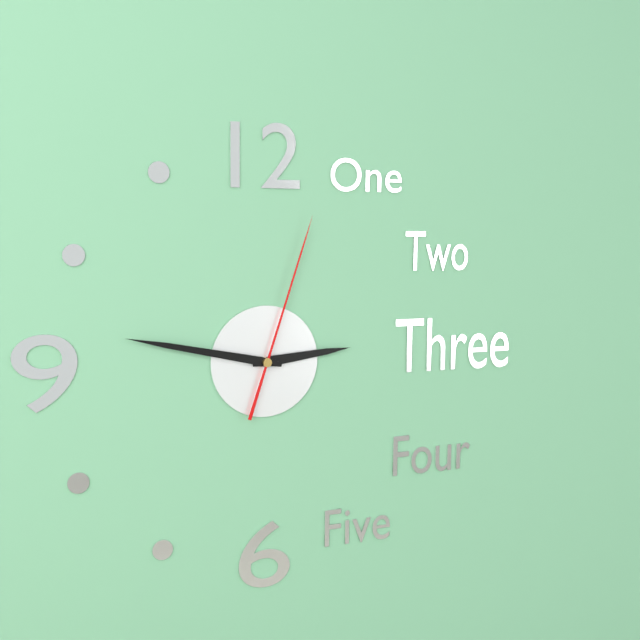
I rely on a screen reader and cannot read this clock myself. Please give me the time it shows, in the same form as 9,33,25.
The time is 2,47,03
